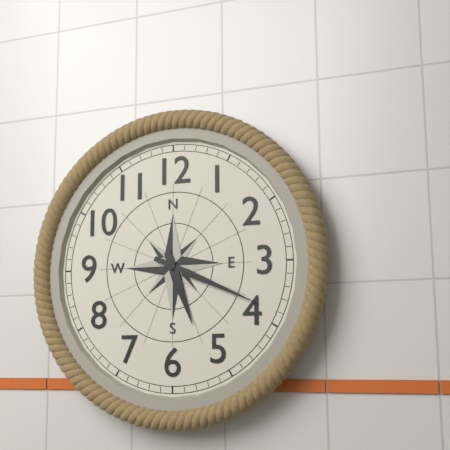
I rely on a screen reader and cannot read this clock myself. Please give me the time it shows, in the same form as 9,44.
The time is 5,19
